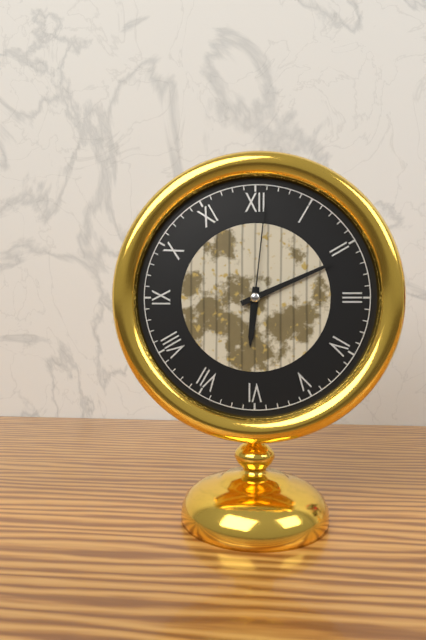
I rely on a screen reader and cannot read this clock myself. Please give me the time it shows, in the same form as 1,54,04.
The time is 6,11,01
